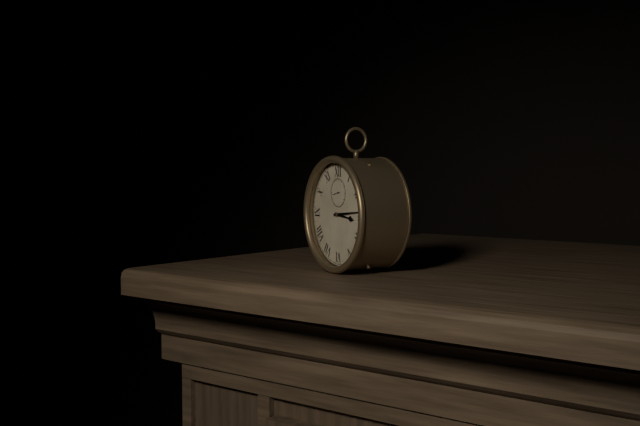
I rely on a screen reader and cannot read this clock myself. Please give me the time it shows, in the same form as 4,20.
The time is 3,14
